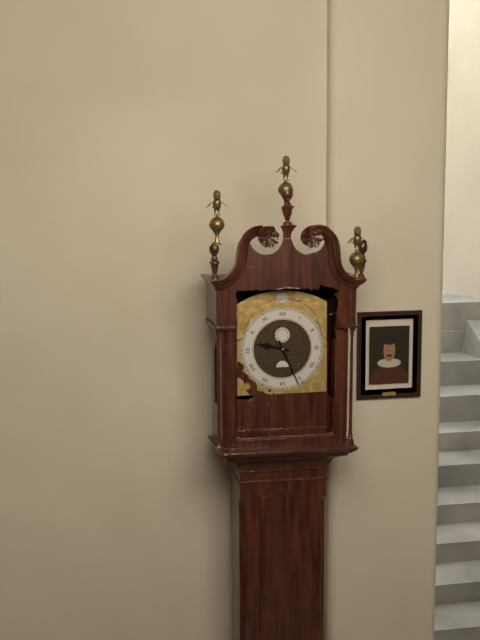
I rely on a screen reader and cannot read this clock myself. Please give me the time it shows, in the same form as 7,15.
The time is 9,26
